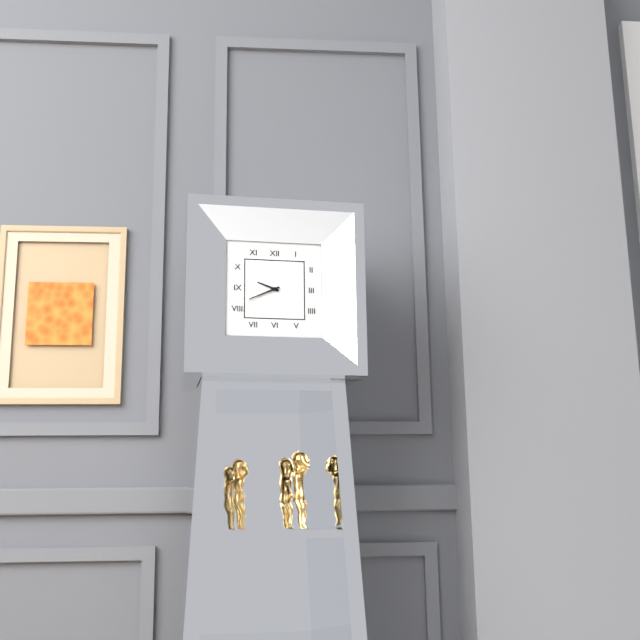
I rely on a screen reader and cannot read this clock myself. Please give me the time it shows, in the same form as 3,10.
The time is 9,41
